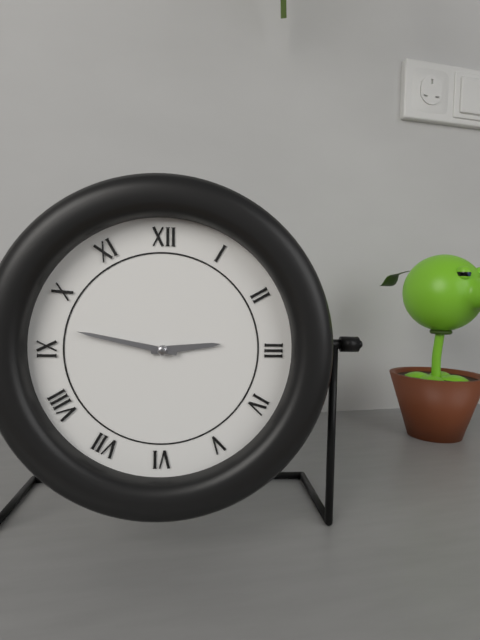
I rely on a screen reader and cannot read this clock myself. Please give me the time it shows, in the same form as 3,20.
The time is 2,47
